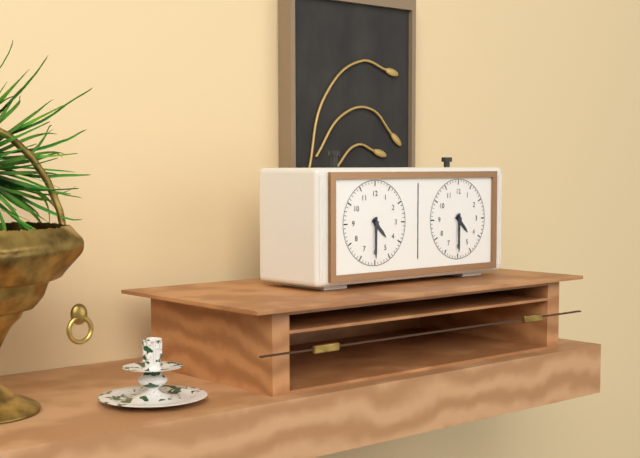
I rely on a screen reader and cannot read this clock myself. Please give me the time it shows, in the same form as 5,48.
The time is 4,30
